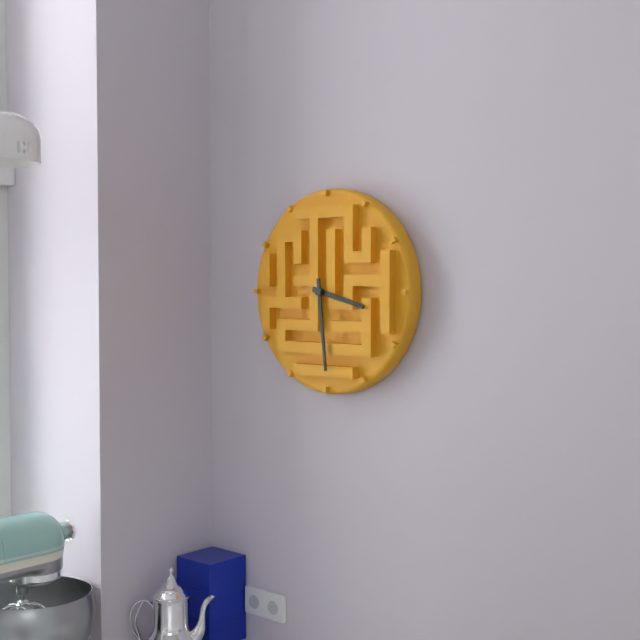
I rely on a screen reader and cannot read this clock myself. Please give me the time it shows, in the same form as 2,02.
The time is 3,29
